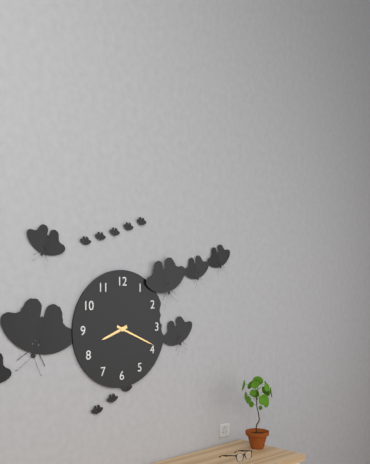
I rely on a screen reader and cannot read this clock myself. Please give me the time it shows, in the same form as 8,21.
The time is 8,19
